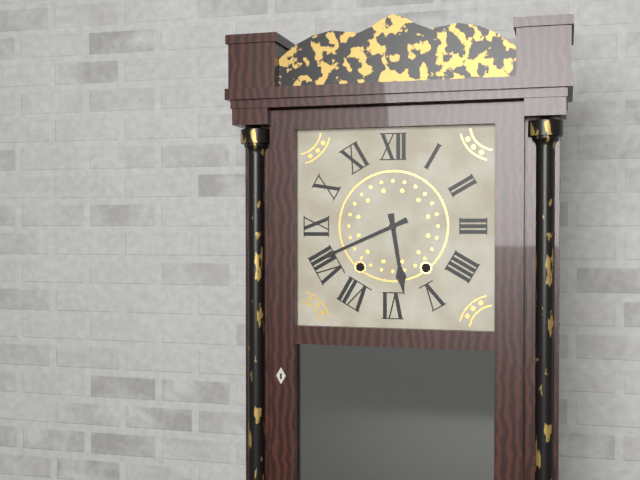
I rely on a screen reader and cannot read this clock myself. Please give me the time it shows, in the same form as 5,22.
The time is 5,41
